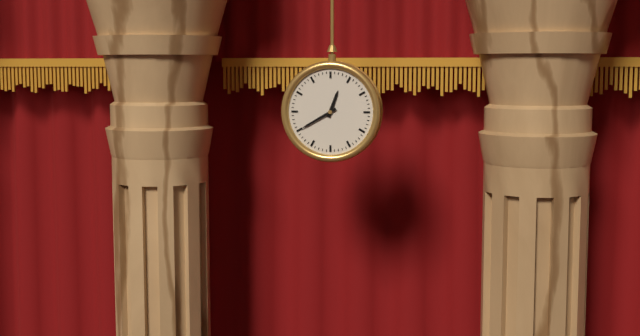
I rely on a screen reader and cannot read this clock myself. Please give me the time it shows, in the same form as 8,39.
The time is 12,40
